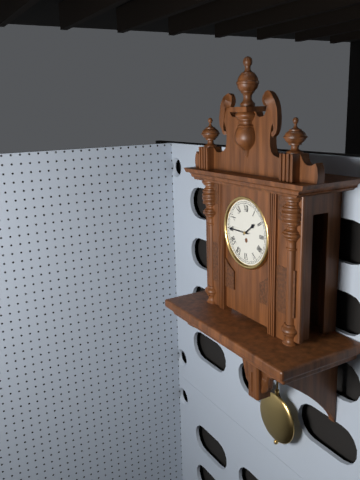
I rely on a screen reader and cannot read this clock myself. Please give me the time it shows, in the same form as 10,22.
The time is 1,45
